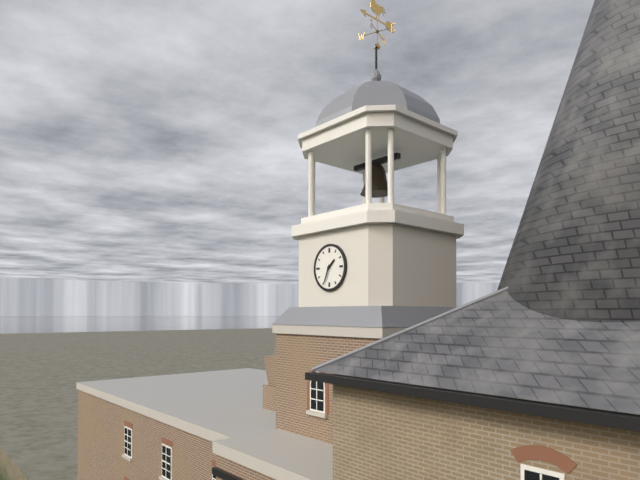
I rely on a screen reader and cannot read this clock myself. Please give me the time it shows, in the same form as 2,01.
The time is 1,34
